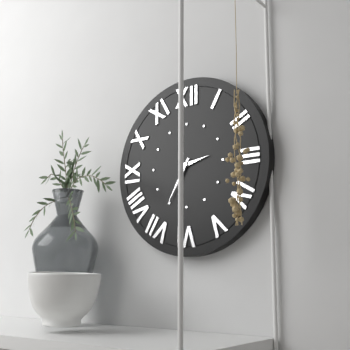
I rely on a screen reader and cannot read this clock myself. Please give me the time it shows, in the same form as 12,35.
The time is 2,35
